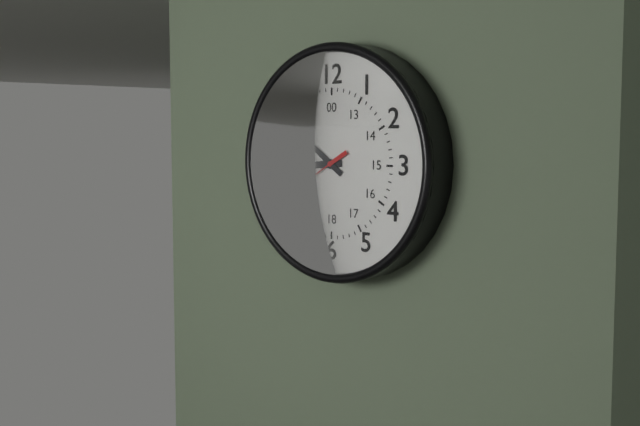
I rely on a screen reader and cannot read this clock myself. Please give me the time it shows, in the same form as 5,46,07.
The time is 8,51,40
